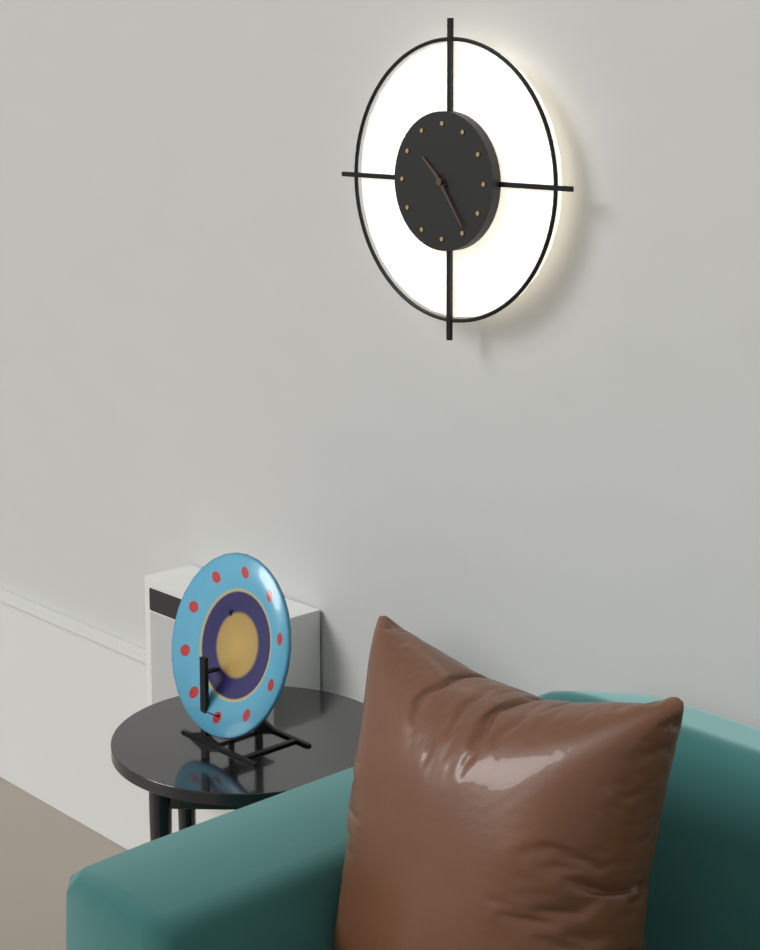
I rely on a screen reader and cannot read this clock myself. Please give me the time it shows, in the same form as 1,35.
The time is 10,24
